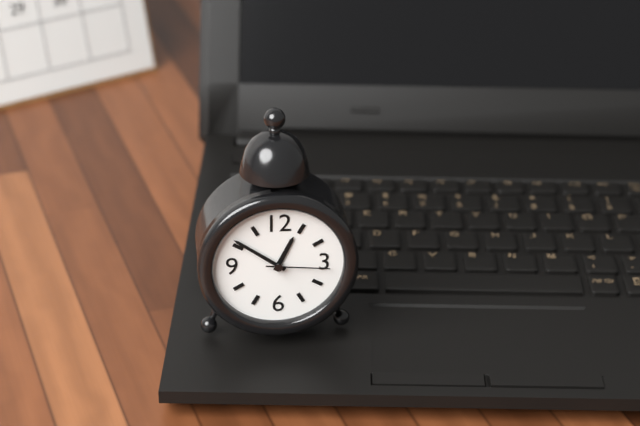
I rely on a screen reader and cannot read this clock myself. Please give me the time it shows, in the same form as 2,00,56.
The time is 12,51,16
